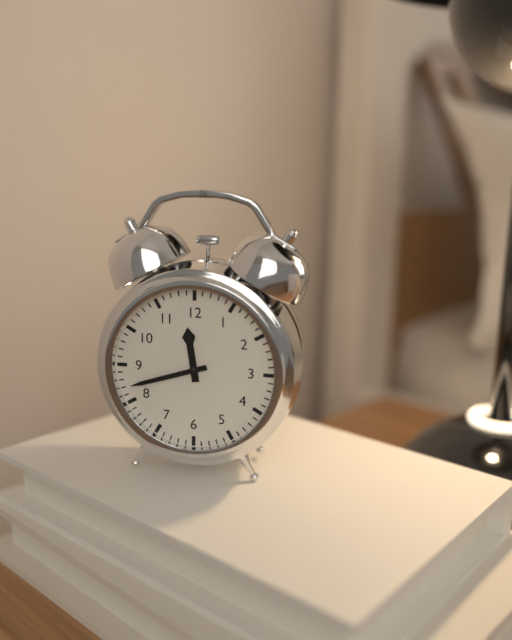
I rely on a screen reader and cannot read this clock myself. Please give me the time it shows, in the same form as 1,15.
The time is 11,42
